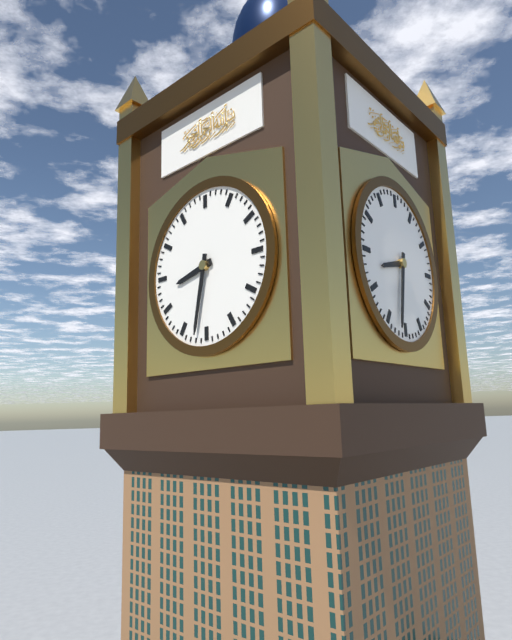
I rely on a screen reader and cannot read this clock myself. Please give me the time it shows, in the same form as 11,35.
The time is 8,32
